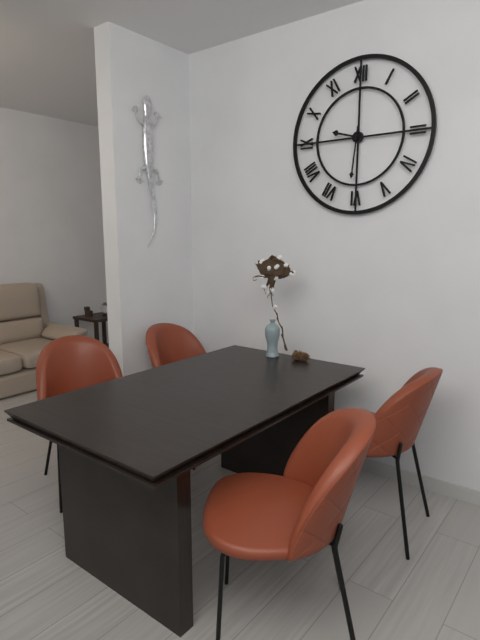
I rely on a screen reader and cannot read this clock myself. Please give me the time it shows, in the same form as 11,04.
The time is 9,31
